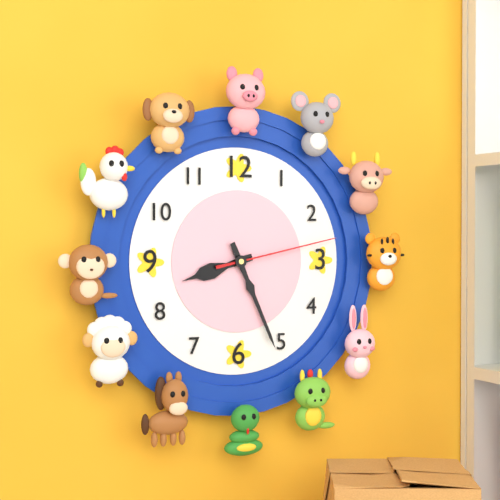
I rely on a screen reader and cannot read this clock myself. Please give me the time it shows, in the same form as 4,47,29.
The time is 8,26,13
